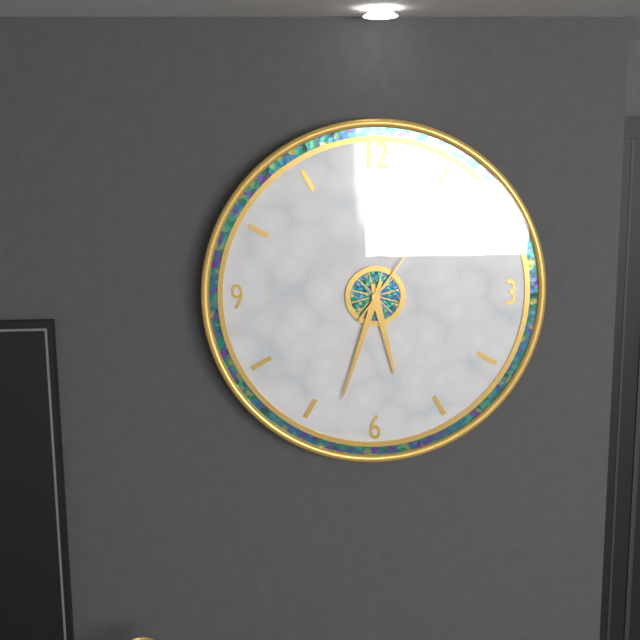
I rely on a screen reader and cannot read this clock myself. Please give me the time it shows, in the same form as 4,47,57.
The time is 5,33,06
